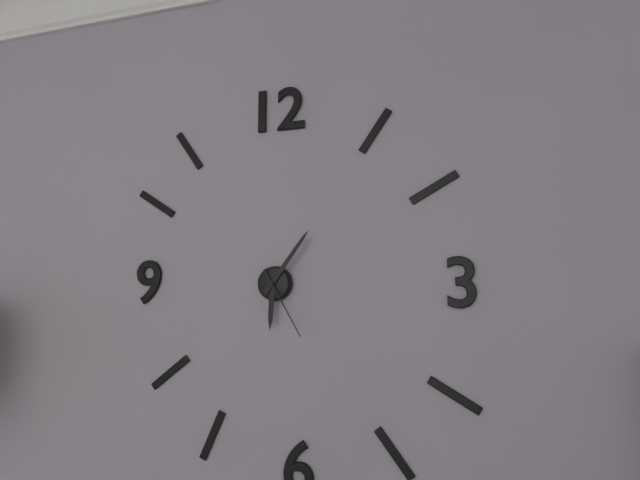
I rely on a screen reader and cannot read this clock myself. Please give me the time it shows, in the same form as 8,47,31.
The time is 6,06,25
